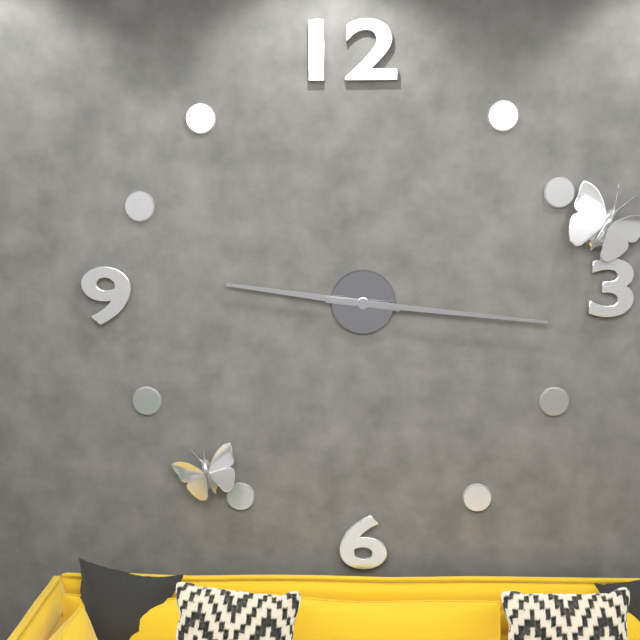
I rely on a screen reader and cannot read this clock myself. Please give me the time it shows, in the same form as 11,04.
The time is 9,16
